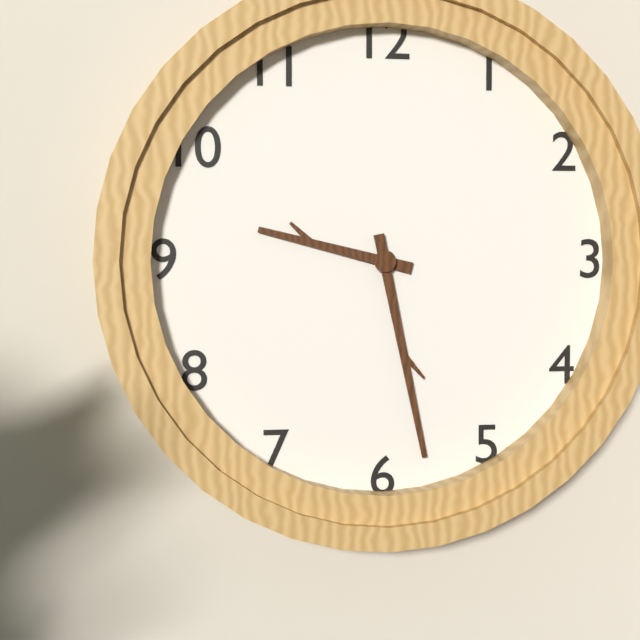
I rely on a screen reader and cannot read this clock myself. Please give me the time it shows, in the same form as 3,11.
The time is 9,28
